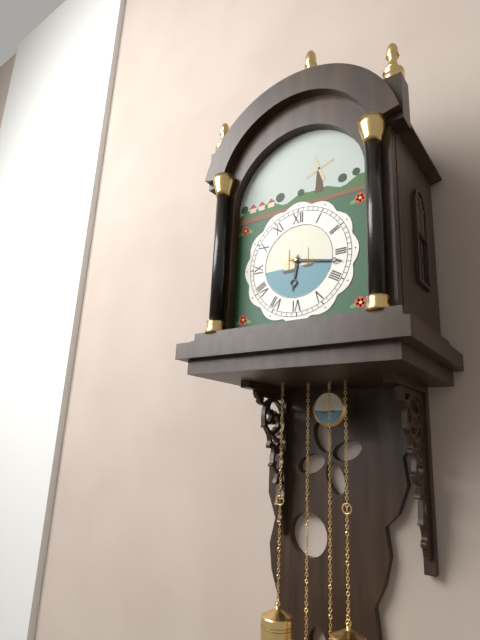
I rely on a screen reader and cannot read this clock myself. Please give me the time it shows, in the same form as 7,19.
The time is 6,17
